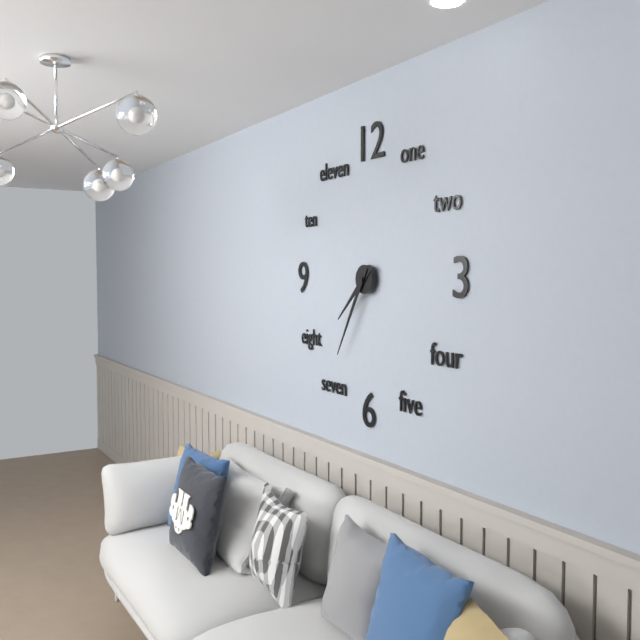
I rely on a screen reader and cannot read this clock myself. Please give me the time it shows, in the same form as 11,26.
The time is 7,35
